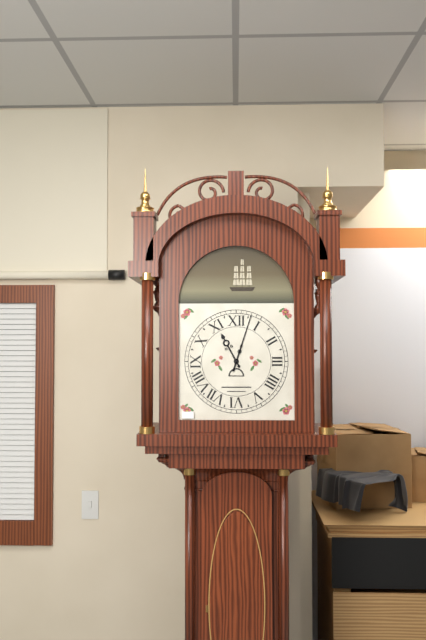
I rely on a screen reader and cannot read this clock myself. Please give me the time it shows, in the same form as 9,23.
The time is 11,03
